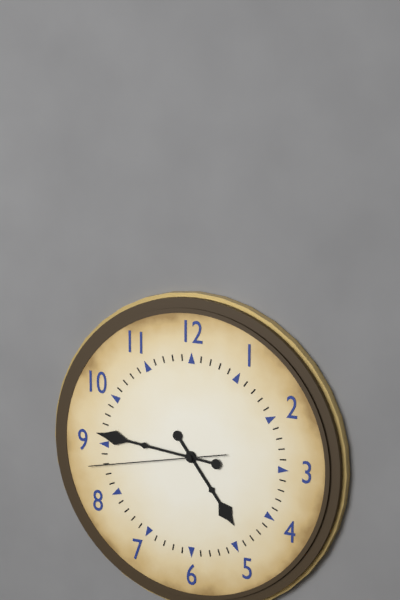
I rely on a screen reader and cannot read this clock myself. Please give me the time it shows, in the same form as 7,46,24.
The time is 4,46,43
